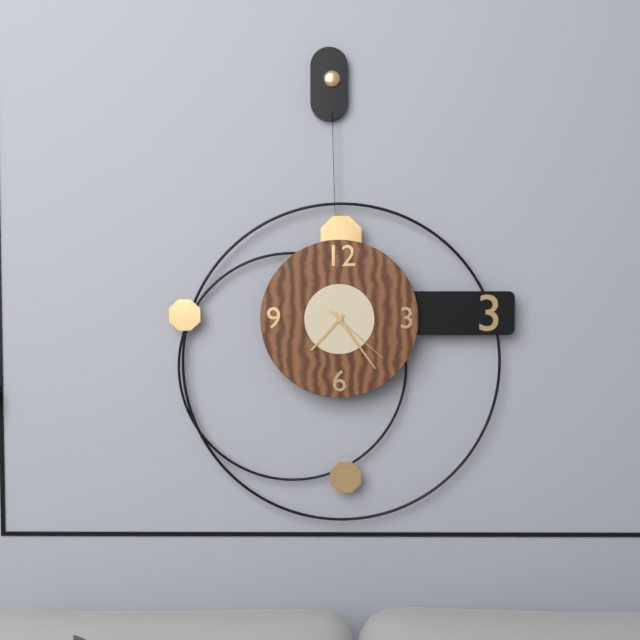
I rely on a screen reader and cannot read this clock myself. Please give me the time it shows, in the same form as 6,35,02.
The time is 7,24,22
